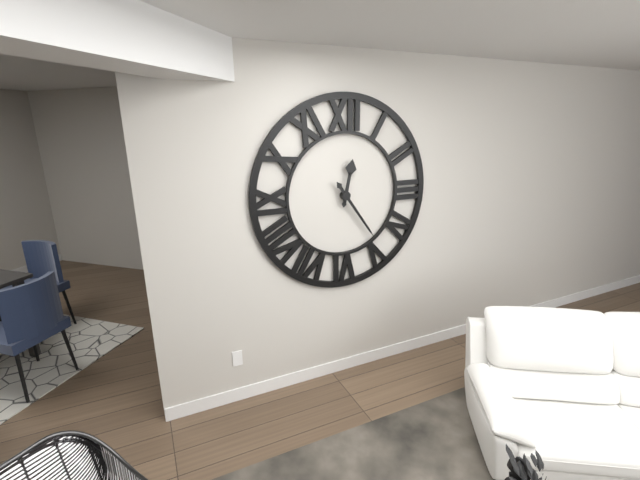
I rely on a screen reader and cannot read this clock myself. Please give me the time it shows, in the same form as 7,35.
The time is 12,24
